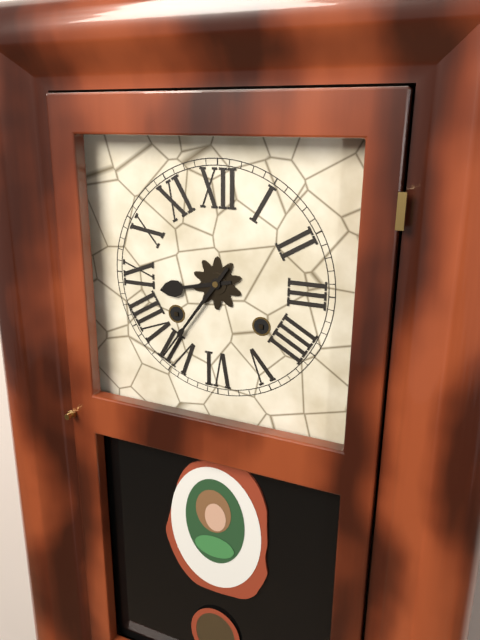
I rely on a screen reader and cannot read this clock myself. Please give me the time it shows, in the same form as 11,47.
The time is 8,36
